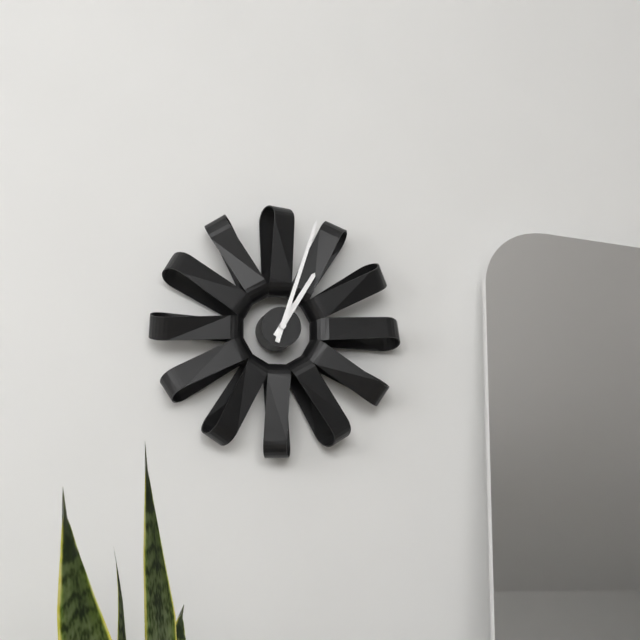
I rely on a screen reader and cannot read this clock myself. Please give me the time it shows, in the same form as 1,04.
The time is 1,03
